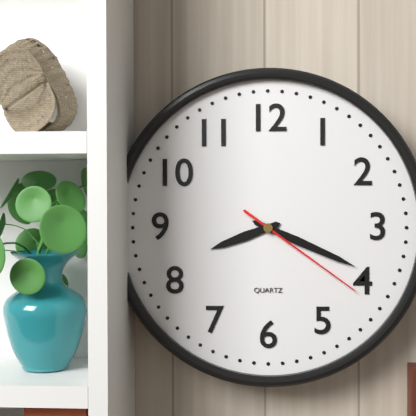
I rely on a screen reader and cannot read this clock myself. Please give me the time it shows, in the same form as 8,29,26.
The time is 8,19,21
